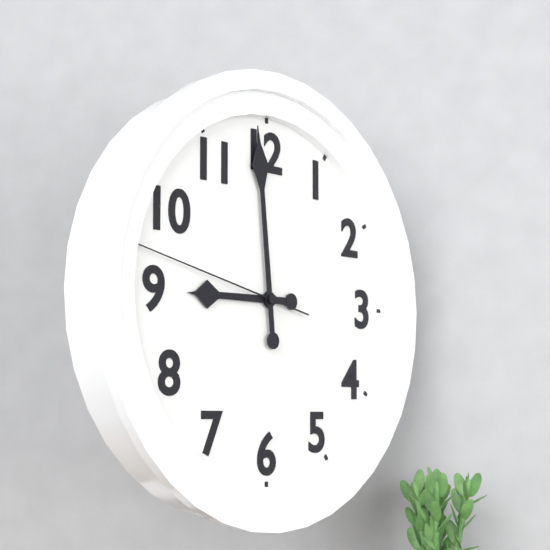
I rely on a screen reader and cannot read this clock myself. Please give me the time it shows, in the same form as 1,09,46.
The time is 8,59,47
